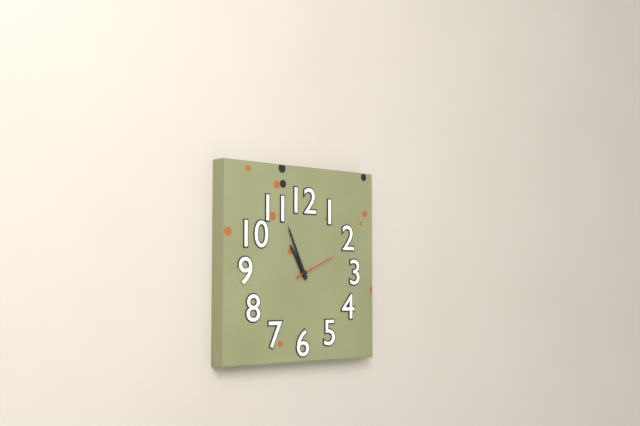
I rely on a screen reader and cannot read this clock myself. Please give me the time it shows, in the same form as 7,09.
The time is 10,56
